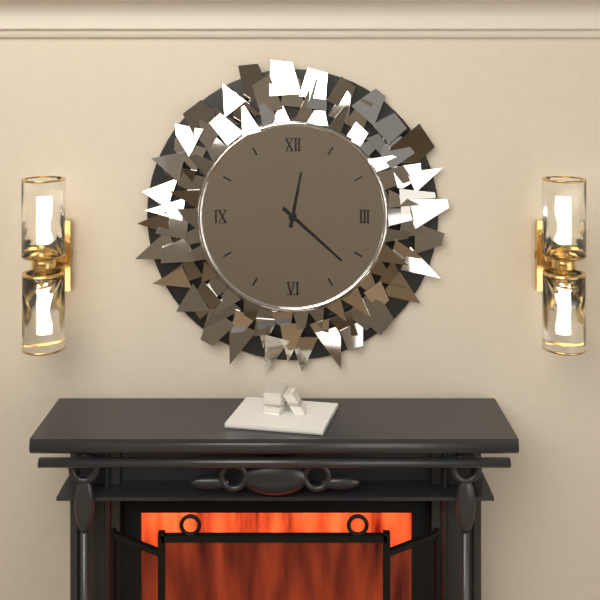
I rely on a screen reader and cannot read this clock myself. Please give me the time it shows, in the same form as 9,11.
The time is 12,22
